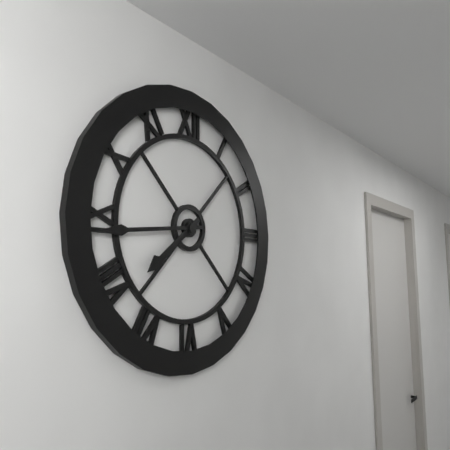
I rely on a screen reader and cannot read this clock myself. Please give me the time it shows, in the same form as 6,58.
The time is 7,44
